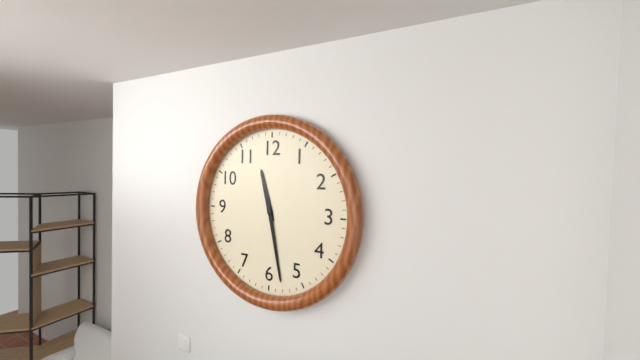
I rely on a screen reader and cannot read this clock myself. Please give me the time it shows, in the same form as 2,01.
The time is 11,28
